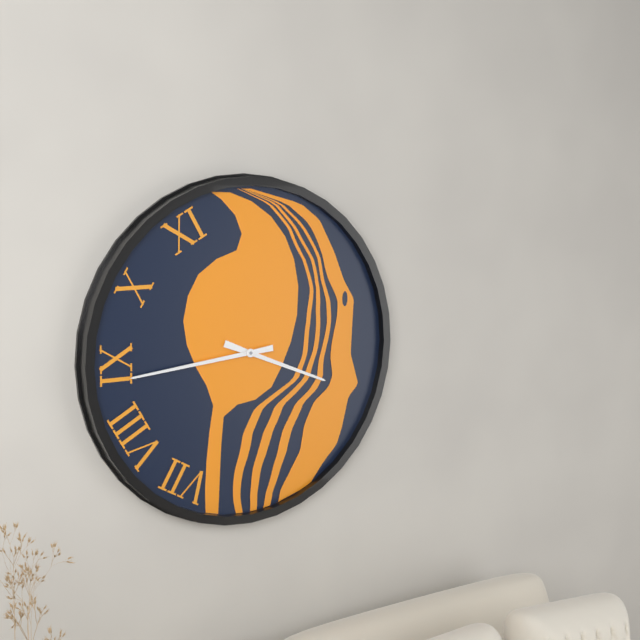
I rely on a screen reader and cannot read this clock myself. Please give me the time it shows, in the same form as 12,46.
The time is 3,44
